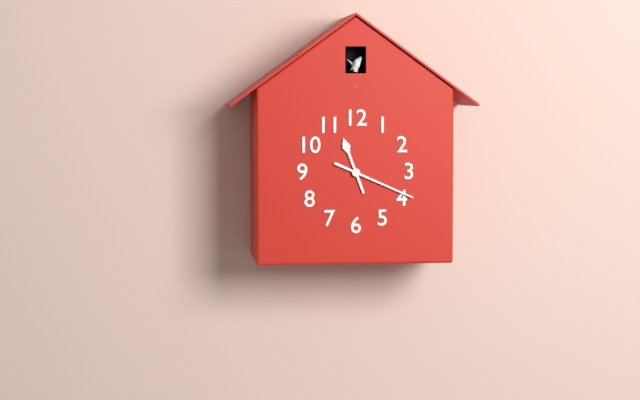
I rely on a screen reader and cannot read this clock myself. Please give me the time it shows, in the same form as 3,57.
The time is 11,19
